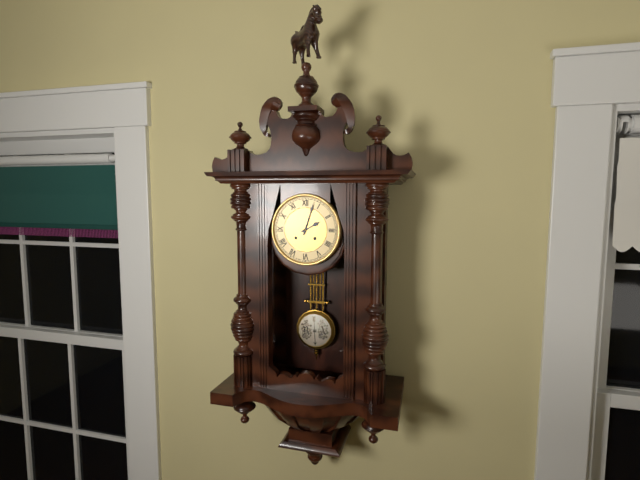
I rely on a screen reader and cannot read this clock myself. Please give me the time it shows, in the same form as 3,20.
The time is 2,03
